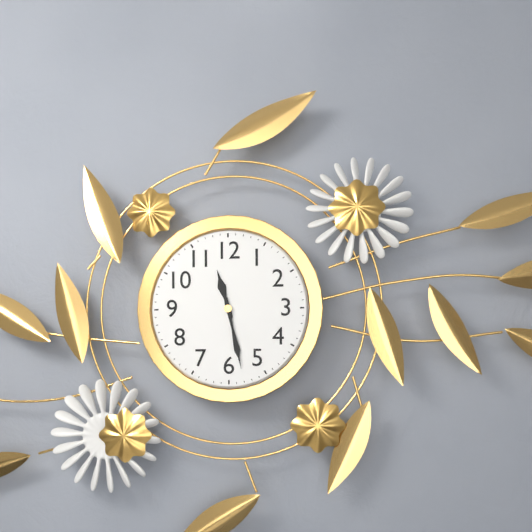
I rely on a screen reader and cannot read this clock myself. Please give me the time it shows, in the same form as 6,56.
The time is 11,28
